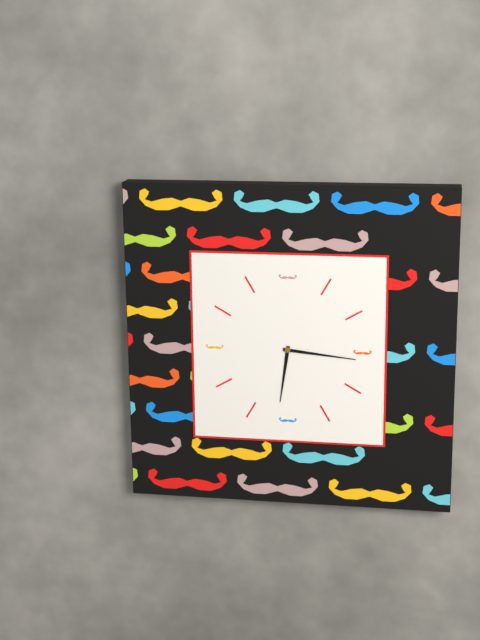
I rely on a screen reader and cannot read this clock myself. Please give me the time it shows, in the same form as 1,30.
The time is 6,16
